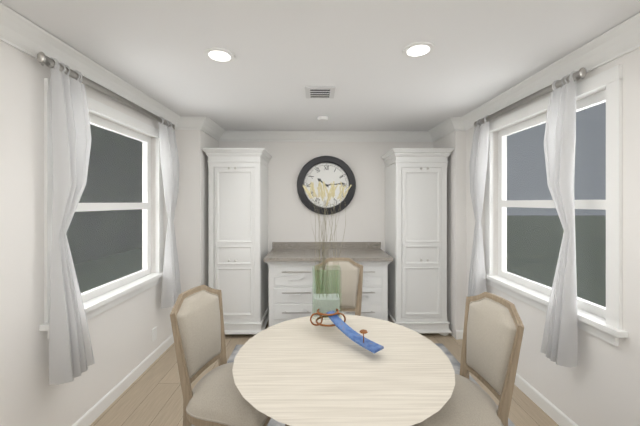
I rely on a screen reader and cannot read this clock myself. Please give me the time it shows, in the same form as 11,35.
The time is 10,14
